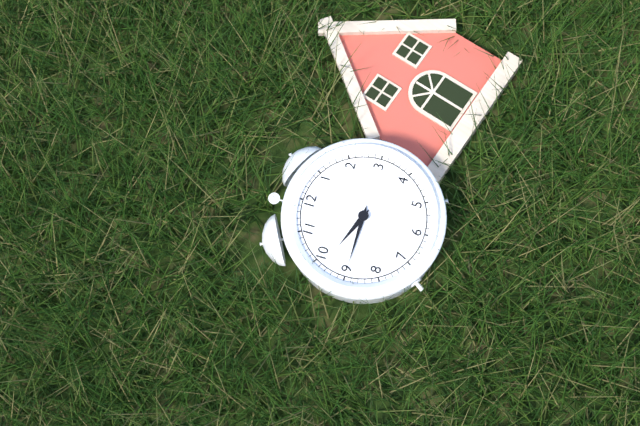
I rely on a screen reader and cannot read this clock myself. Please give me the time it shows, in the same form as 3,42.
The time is 9,45
